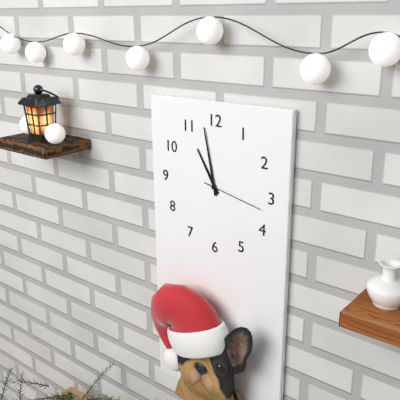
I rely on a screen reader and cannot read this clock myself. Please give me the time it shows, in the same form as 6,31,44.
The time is 10,58,17
